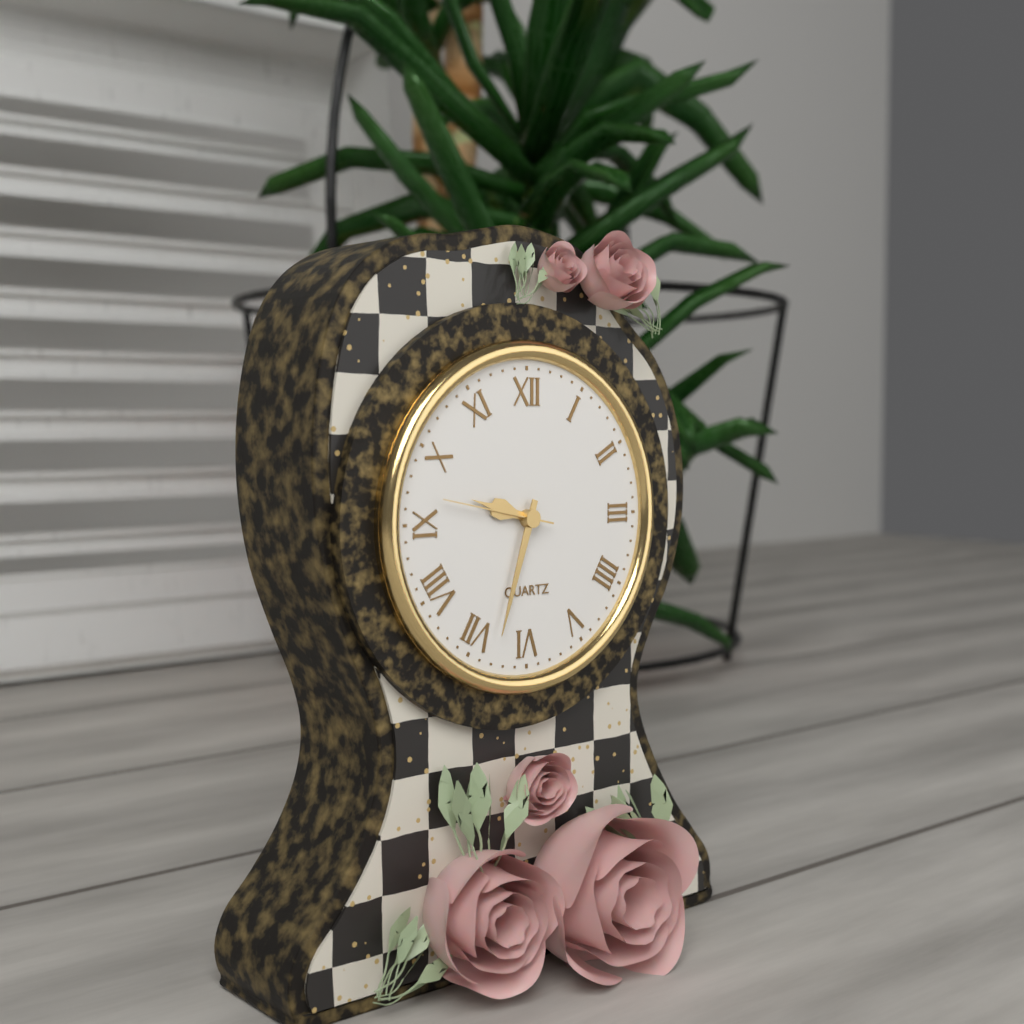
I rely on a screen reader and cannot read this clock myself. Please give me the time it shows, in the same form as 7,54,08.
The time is 9,33,47
